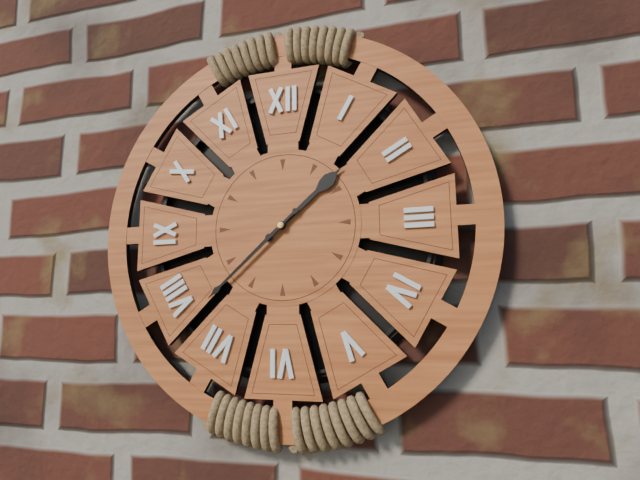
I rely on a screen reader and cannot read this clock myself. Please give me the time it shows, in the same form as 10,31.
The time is 1,38
